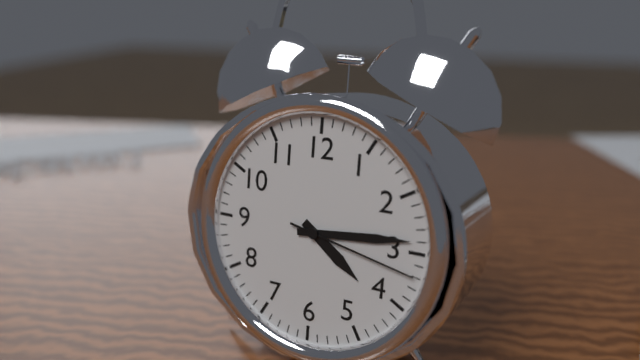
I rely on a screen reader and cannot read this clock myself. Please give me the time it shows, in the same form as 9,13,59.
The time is 4,14,17
